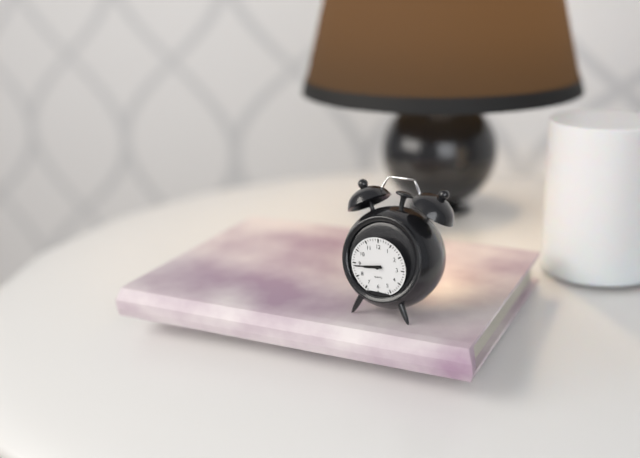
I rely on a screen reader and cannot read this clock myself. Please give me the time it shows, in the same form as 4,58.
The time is 8,44
